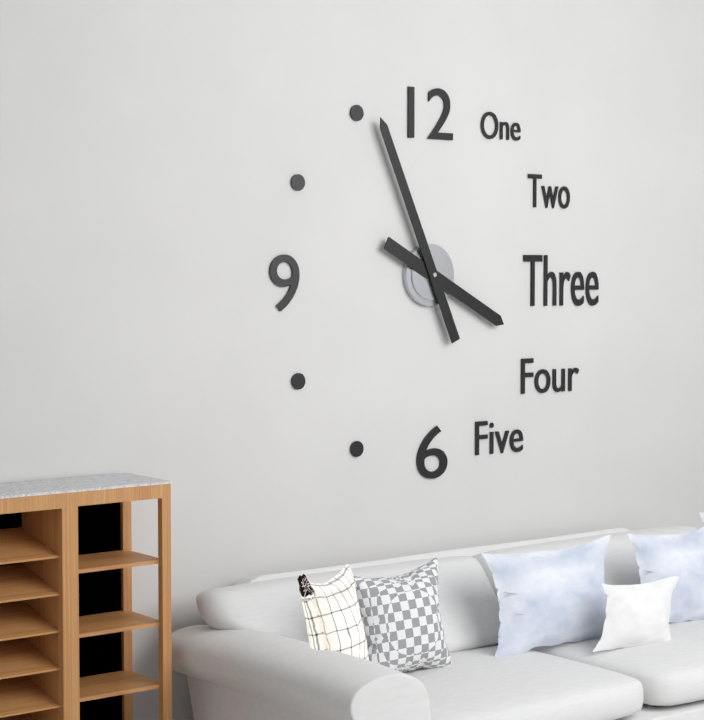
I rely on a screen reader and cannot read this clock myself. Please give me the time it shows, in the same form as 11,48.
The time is 3,56
